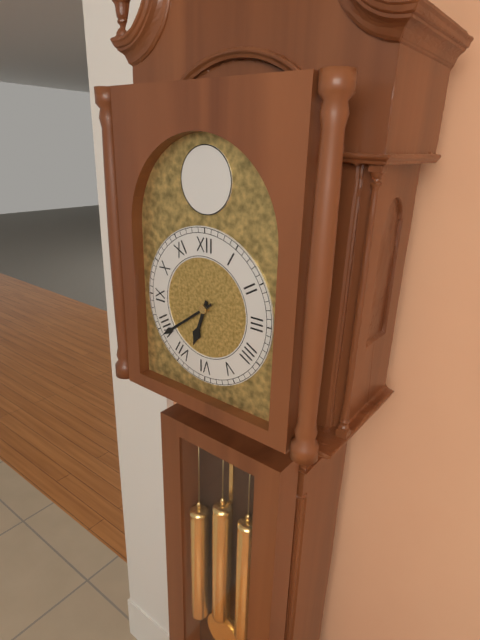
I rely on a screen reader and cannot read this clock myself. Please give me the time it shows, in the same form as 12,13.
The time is 6,39
